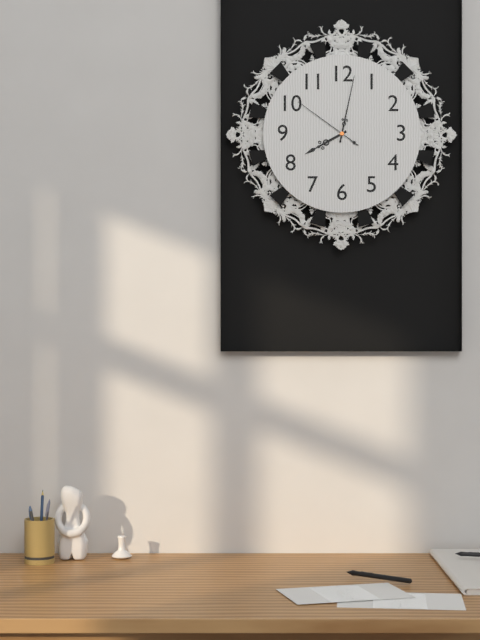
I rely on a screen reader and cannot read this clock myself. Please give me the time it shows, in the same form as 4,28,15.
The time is 8,02,51
